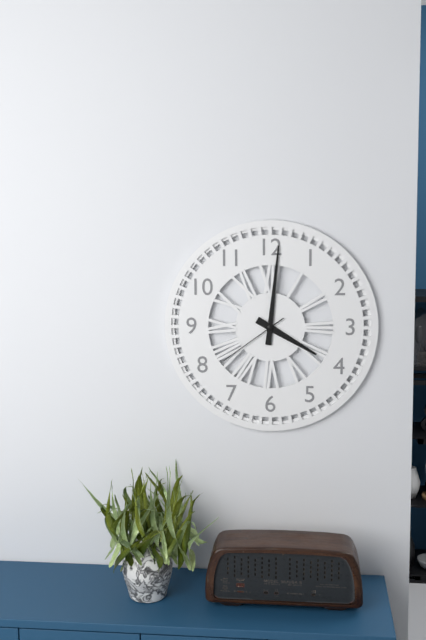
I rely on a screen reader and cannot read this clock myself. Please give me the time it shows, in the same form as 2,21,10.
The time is 4,01,39
